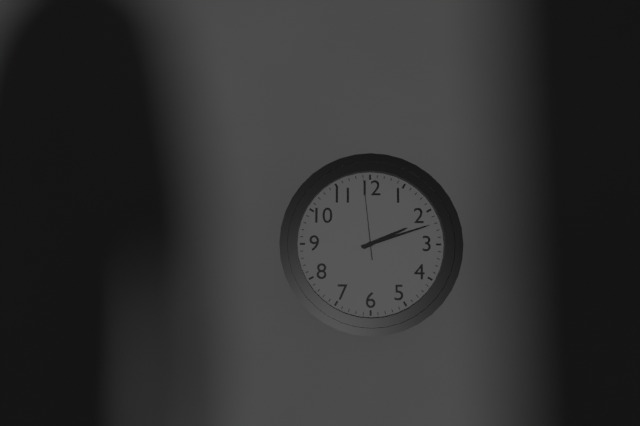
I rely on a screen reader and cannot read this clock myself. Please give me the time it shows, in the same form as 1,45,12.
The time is 2,12,59
